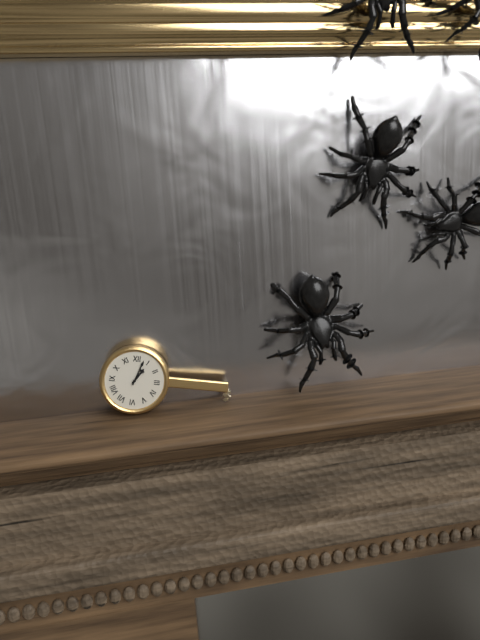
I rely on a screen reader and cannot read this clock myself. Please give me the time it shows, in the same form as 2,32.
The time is 1,03
